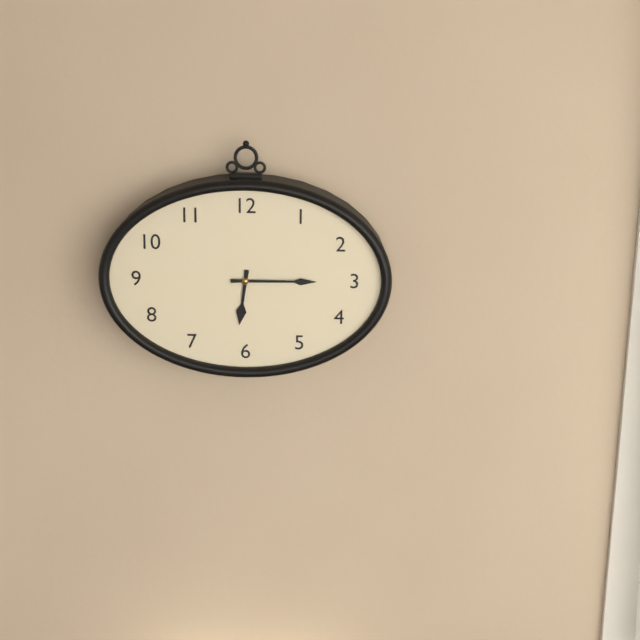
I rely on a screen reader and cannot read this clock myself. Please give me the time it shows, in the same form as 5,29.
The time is 6,15
